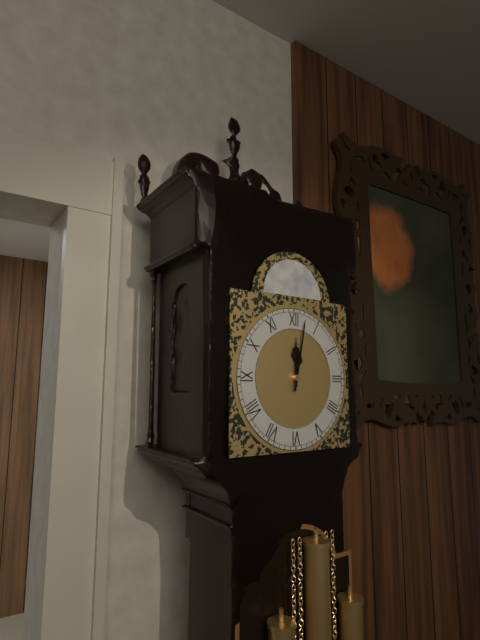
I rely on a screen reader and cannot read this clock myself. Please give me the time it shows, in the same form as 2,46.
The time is 12,02
